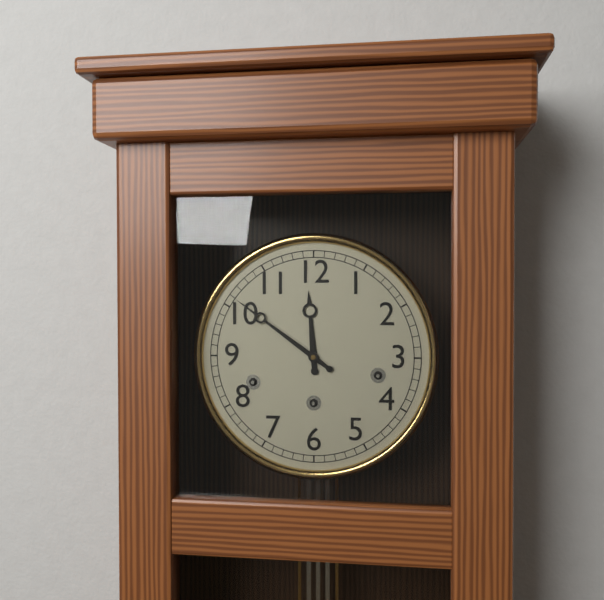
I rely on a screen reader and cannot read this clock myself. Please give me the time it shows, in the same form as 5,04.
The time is 11,51
